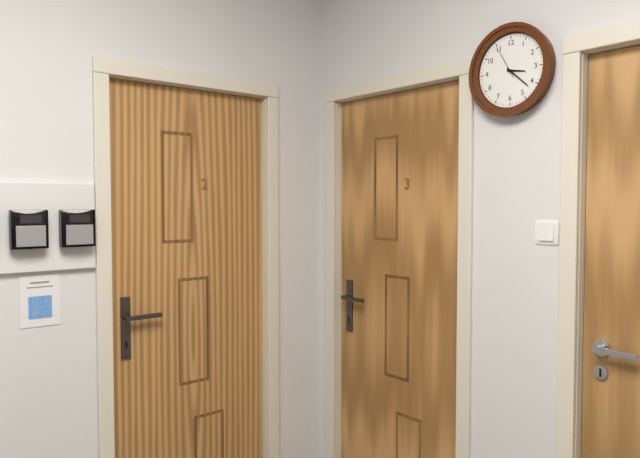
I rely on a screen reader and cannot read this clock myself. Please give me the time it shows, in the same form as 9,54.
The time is 3,22
